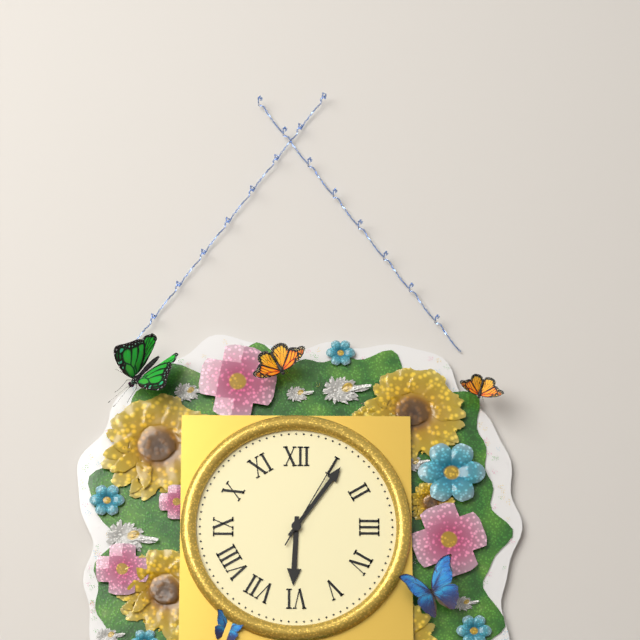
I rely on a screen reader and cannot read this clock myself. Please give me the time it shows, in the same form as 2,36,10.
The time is 6,06,05
